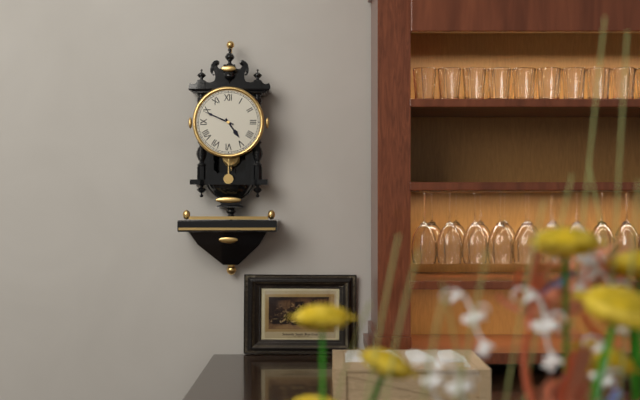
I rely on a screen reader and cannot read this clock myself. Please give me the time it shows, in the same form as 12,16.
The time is 4,49
